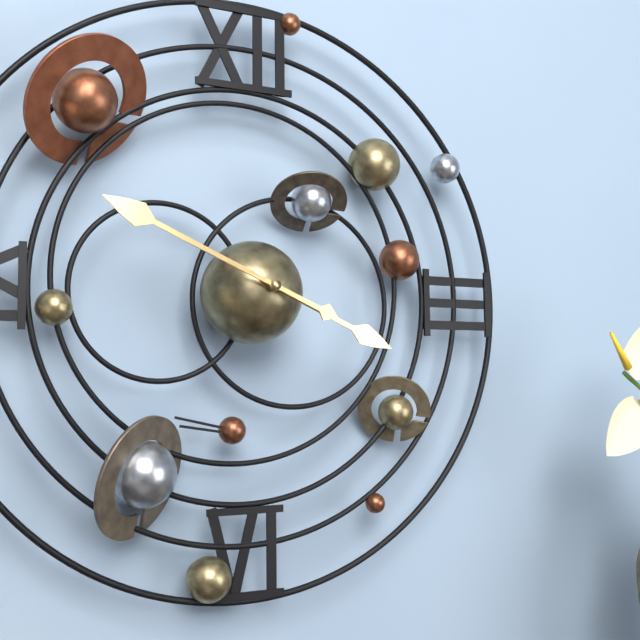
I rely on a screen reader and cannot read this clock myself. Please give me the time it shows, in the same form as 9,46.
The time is 3,49
